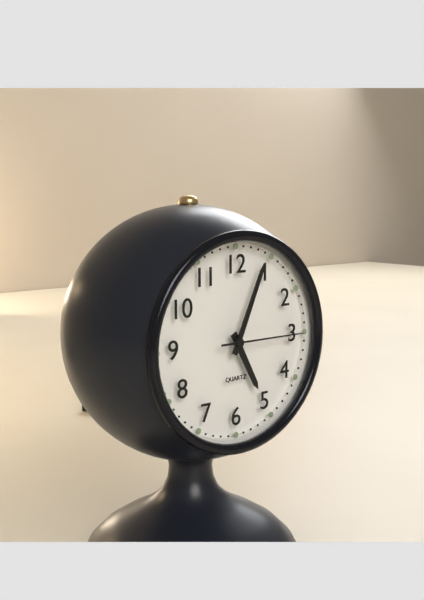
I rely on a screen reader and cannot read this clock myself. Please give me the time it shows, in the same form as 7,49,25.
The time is 5,04,15
